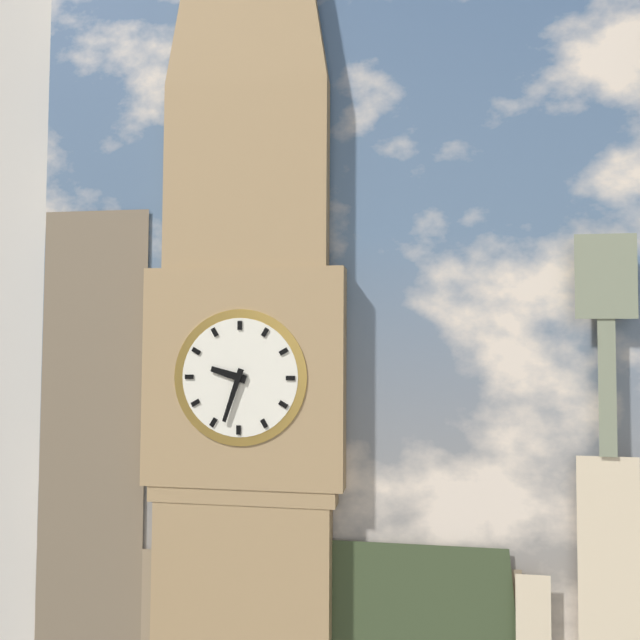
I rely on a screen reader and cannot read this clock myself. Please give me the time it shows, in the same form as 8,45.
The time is 9,33
